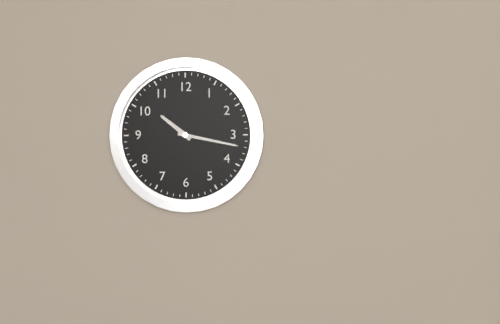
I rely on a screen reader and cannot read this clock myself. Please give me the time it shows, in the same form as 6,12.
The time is 10,17
